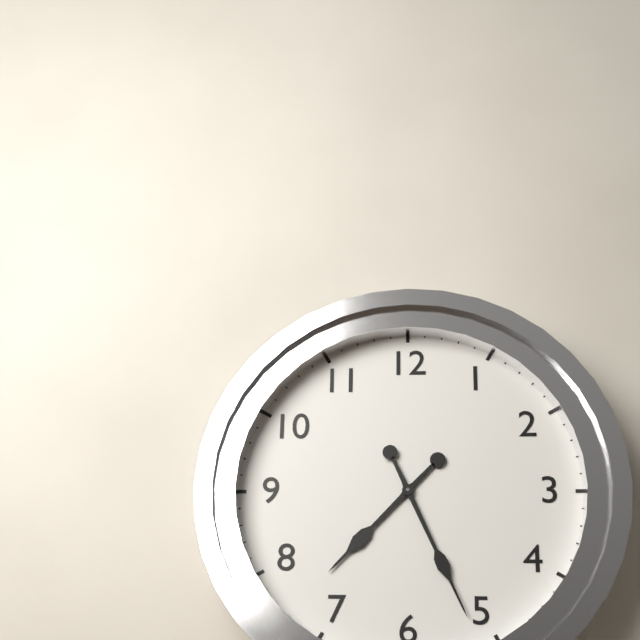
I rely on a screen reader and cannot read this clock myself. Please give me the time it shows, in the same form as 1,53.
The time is 7,26
